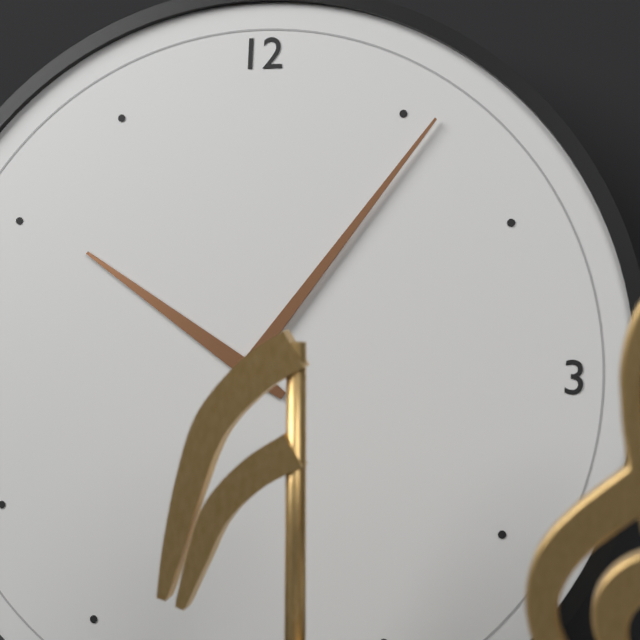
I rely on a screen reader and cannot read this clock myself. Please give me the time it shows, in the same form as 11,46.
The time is 10,06
